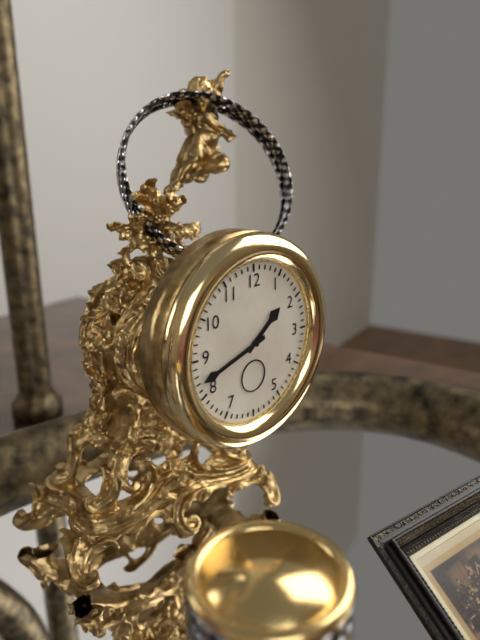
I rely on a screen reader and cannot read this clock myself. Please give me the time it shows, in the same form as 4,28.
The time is 1,42
